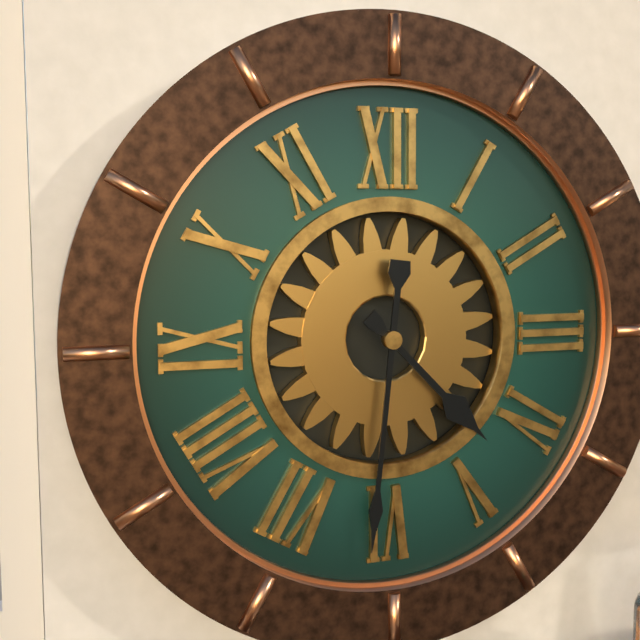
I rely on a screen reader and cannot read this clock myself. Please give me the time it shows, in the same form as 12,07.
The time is 4,31
